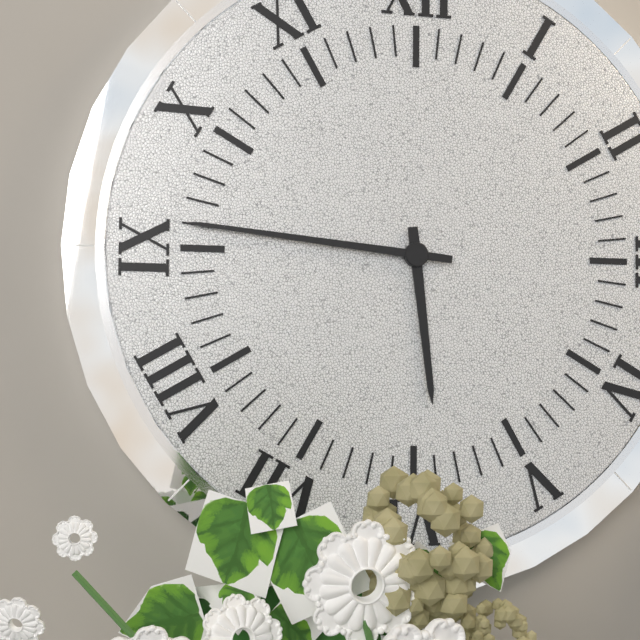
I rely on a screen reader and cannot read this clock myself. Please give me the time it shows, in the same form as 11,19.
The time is 5,46
